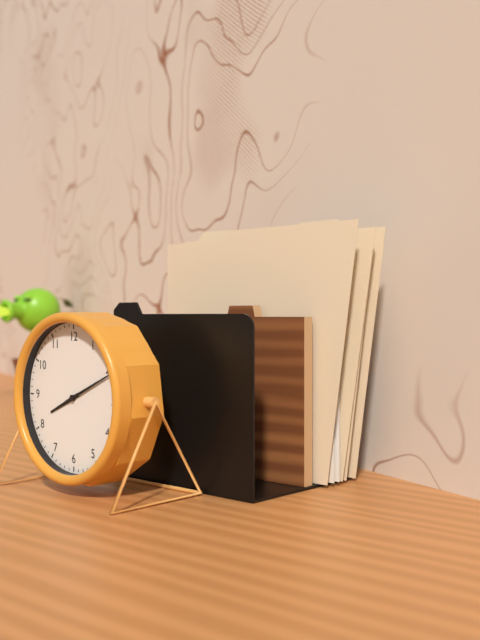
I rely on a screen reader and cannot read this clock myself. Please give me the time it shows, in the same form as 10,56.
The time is 8,11
